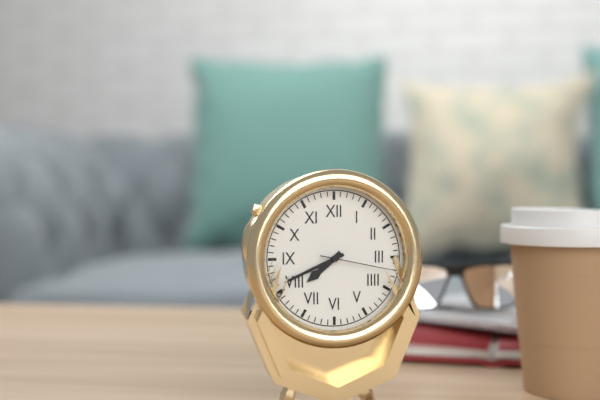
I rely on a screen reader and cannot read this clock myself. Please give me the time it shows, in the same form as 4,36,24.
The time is 7,41,17
